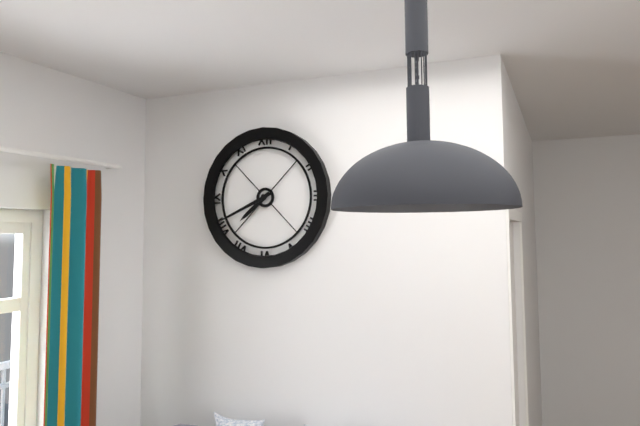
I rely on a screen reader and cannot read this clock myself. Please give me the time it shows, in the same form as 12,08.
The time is 7,41
